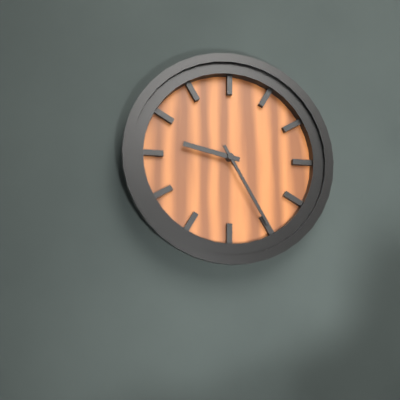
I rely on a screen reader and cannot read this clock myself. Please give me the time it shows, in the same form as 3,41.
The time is 9,25
